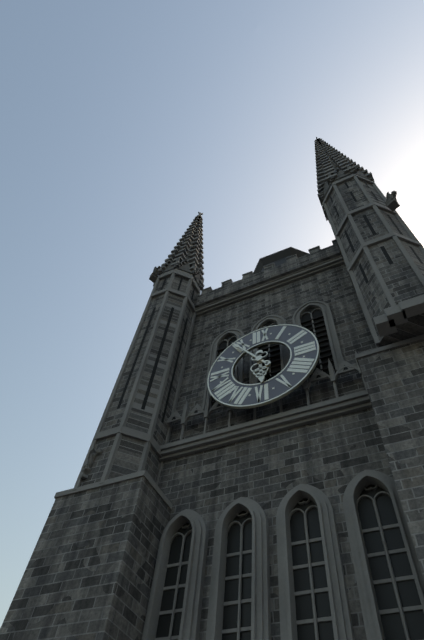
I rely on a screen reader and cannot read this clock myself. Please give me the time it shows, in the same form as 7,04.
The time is 5,54
